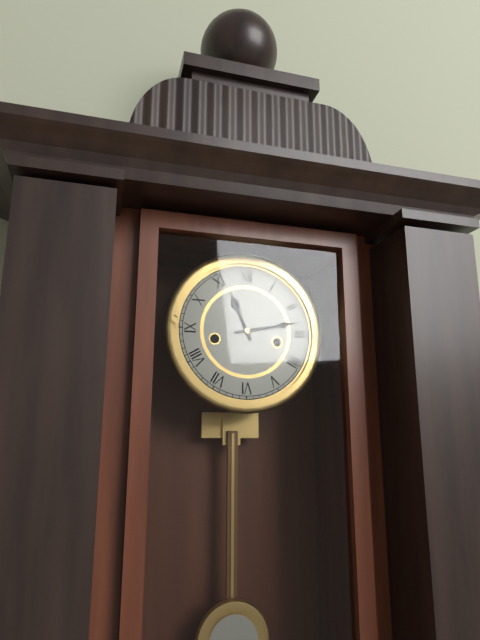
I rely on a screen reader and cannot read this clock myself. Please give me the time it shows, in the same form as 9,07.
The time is 11,13
